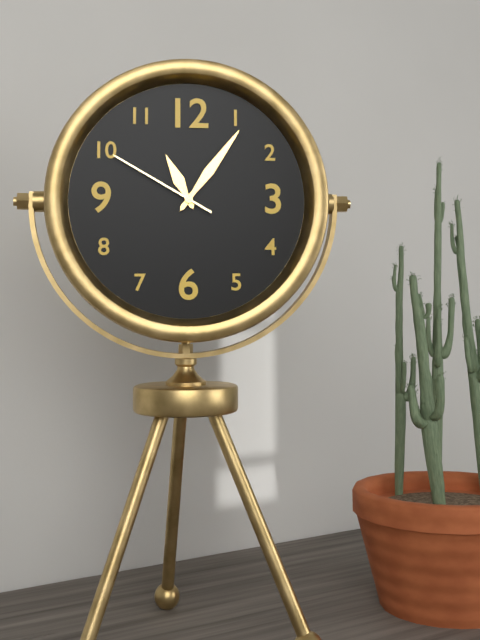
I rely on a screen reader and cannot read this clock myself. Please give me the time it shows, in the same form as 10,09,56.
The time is 11,06,50
